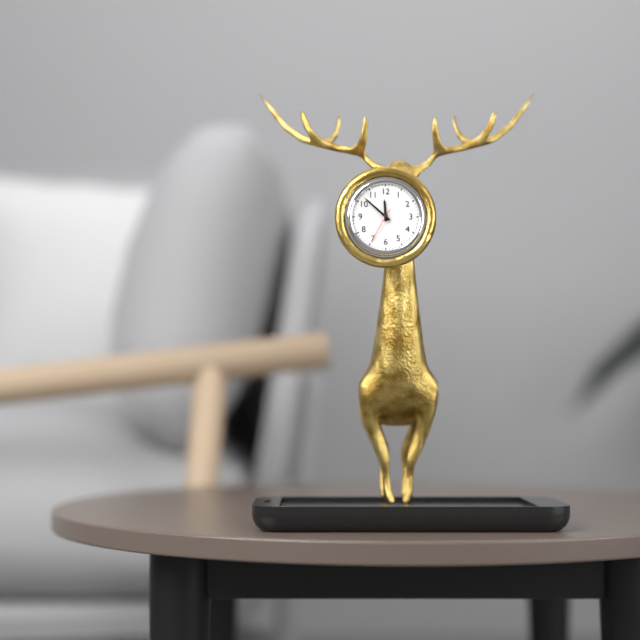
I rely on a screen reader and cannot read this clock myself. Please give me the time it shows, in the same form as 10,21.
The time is 11,52
